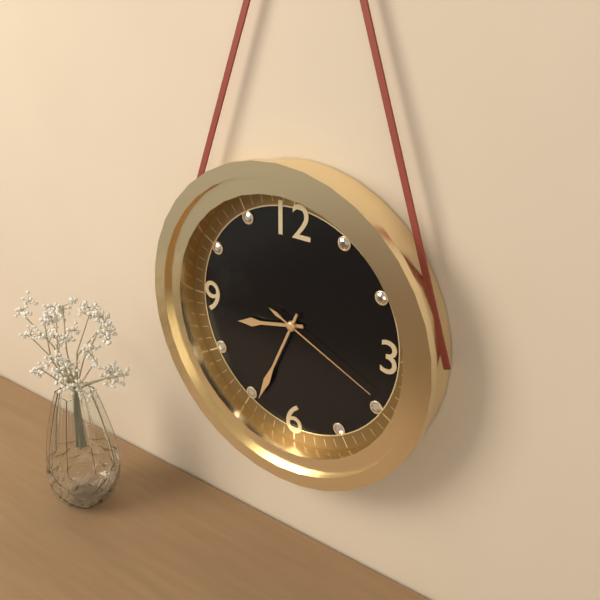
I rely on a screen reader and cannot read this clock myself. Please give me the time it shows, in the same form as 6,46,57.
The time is 8,34,19
